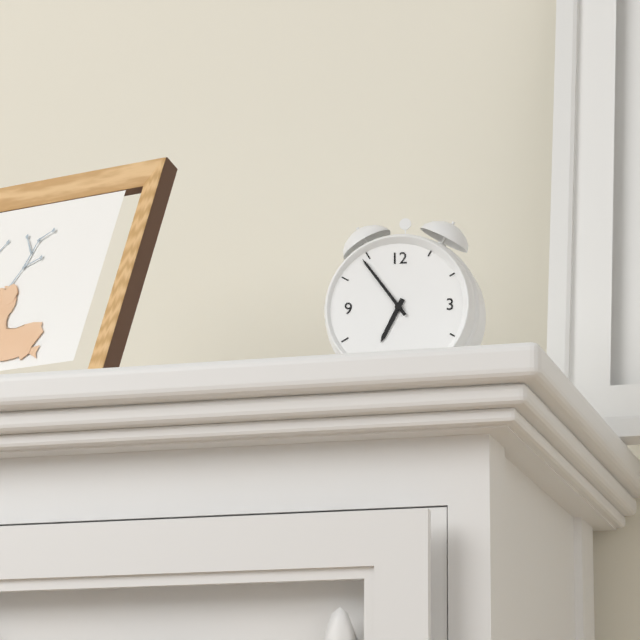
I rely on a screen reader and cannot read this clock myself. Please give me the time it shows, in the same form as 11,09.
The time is 6,54
